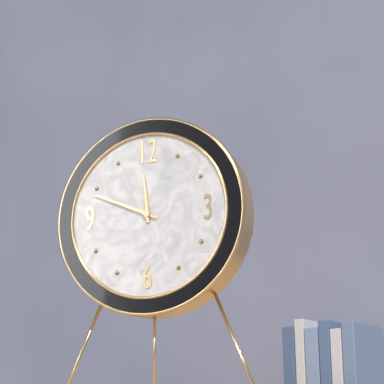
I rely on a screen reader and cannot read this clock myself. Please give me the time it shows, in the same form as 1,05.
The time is 11,49
